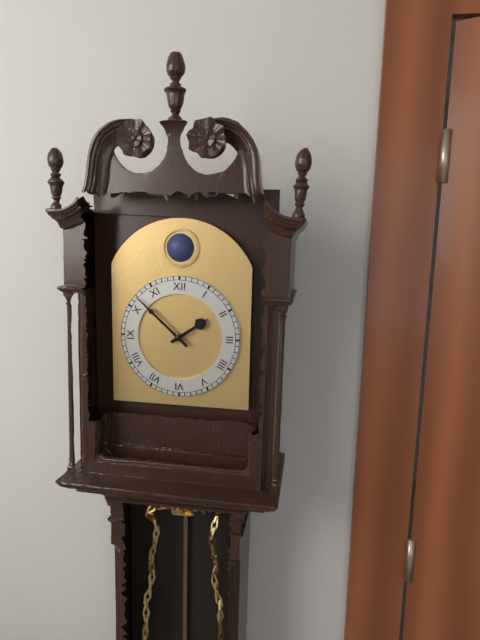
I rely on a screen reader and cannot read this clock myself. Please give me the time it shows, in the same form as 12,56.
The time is 1,52
